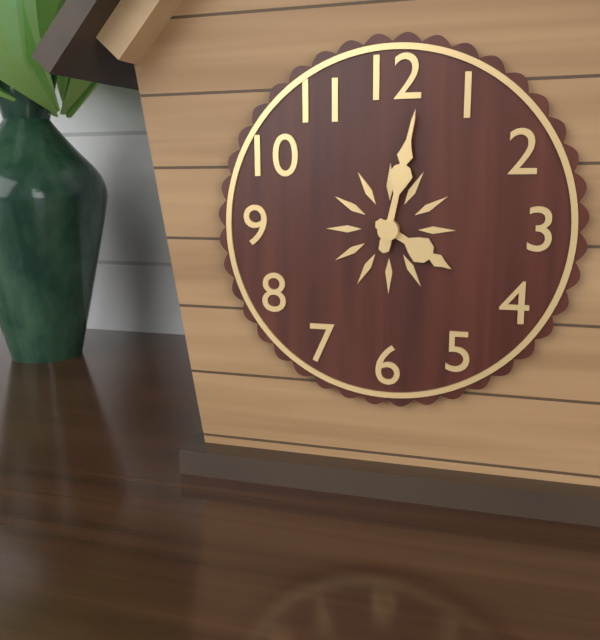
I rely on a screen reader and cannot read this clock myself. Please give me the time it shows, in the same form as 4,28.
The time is 4,02
